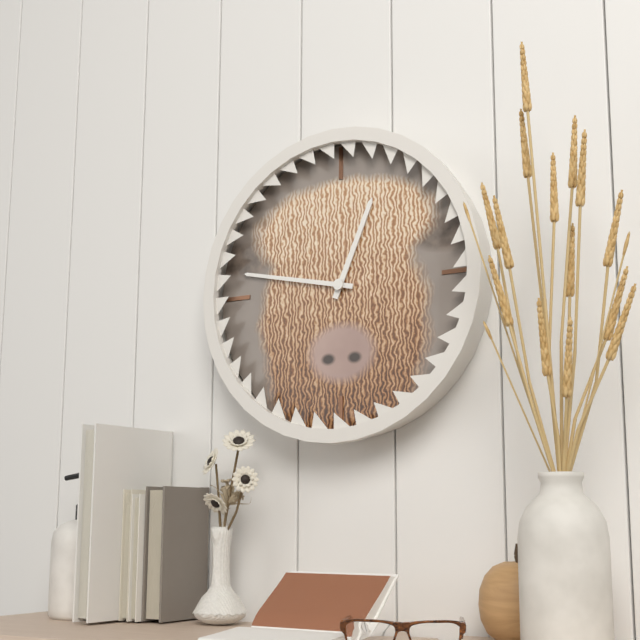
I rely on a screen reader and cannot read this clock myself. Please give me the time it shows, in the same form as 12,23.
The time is 12,47
